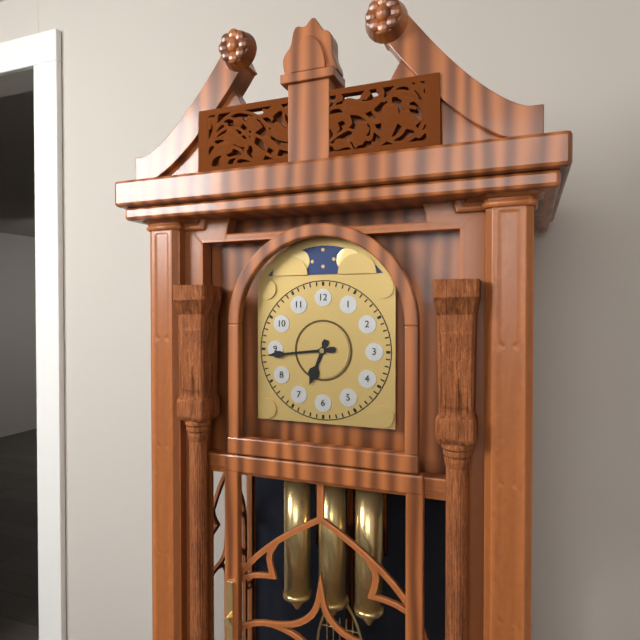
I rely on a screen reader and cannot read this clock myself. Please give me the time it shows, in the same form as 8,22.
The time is 6,44
